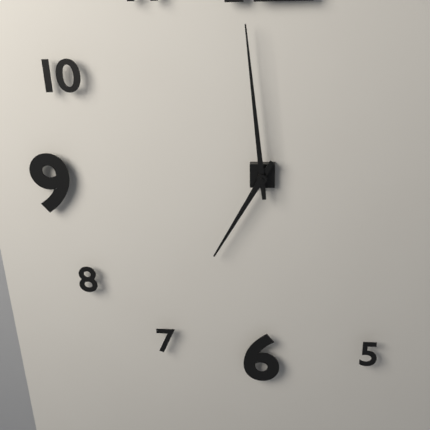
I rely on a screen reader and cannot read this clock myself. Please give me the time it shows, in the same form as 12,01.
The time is 6,59
